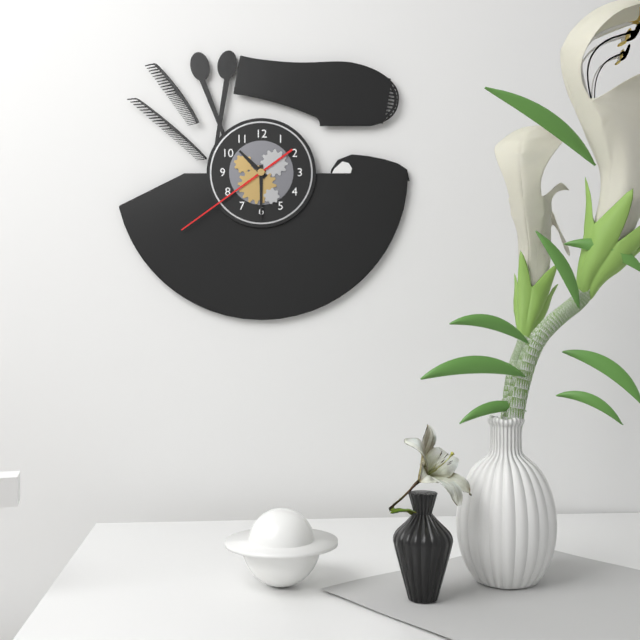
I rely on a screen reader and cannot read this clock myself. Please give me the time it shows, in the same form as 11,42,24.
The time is 10,30,39
